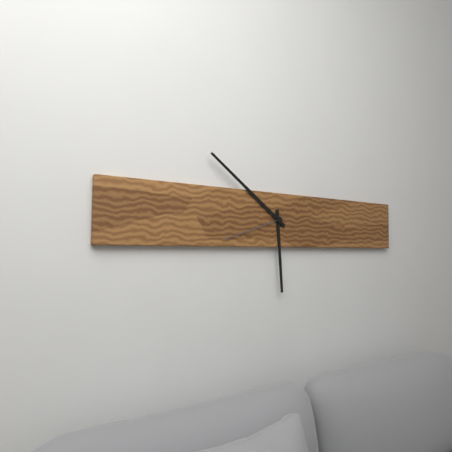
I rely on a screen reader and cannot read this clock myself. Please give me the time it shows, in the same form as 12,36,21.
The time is 5,51,42
